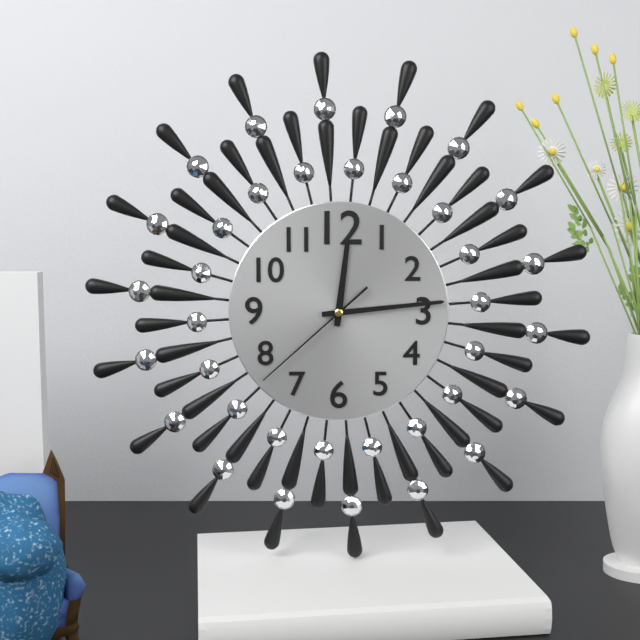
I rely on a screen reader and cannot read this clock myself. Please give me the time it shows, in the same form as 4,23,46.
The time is 12,14,38
